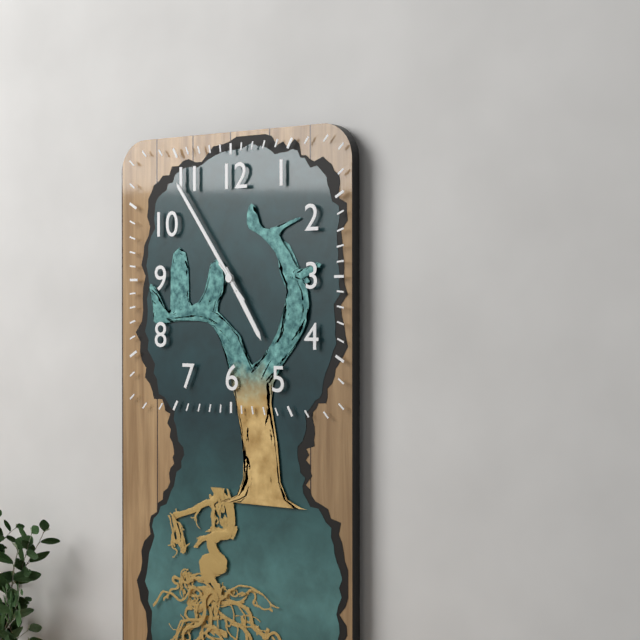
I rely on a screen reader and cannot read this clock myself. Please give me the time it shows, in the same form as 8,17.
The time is 4,54
